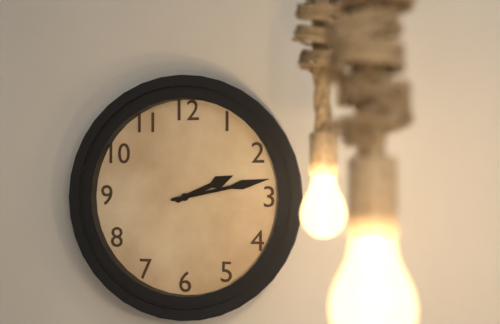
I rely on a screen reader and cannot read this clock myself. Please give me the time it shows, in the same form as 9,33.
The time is 2,13
